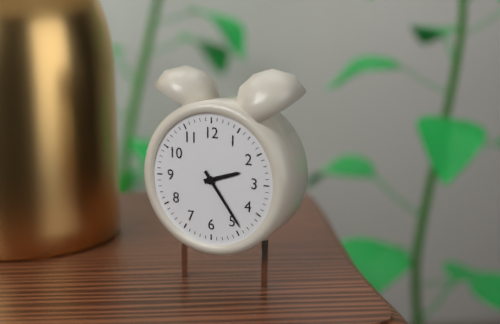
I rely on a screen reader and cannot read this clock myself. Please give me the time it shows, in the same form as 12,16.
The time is 2,24
